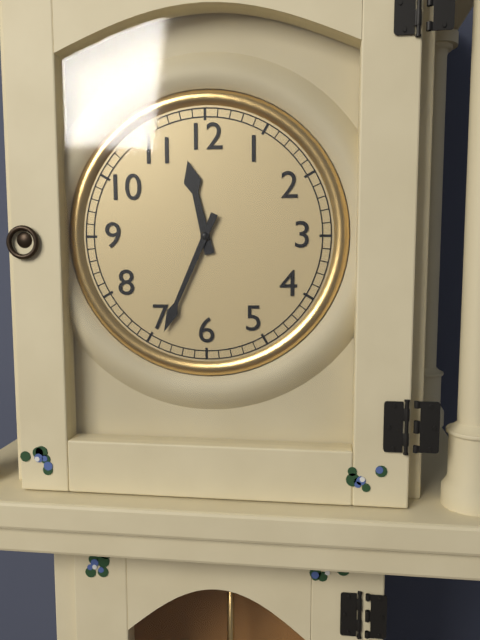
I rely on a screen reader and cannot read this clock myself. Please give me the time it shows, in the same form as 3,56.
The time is 11,34
